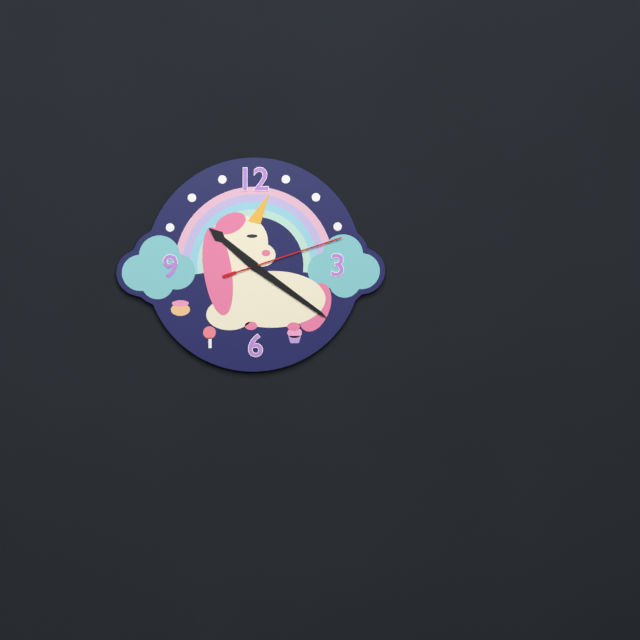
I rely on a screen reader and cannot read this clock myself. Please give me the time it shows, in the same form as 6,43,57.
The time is 10,21,12
